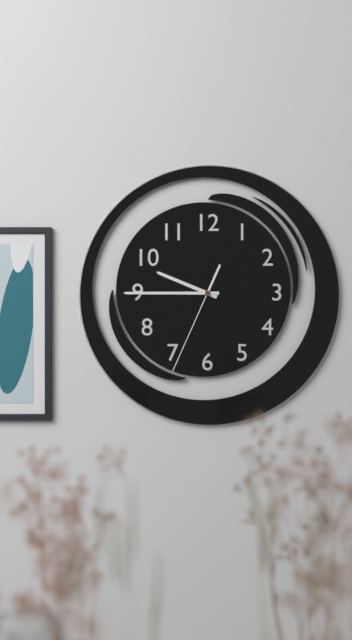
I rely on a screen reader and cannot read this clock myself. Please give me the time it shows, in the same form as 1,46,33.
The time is 9,45,34
